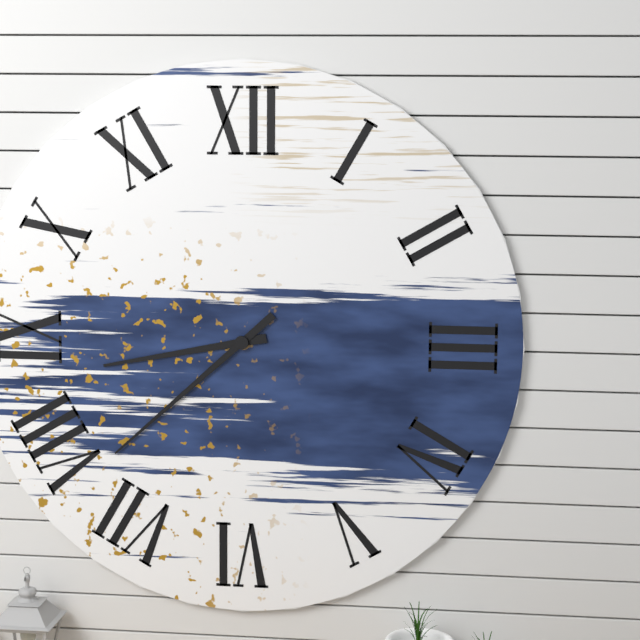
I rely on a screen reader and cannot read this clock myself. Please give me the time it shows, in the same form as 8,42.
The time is 8,38
